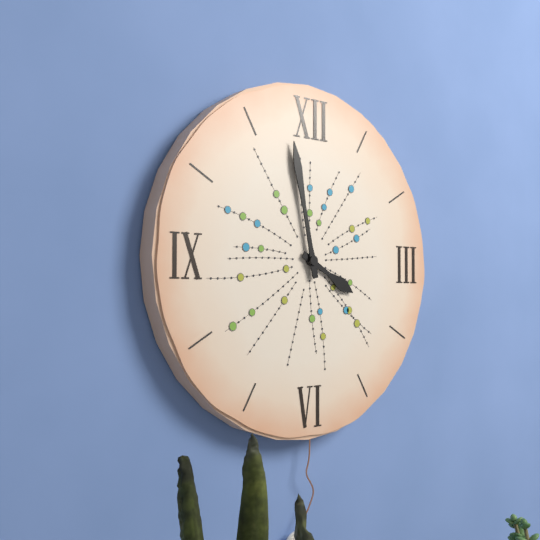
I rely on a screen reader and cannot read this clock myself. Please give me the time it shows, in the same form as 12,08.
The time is 3,58
